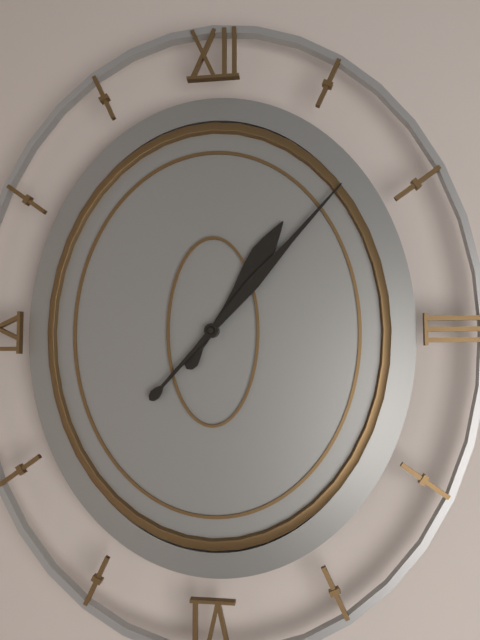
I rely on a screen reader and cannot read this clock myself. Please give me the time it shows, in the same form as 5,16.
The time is 1,07
